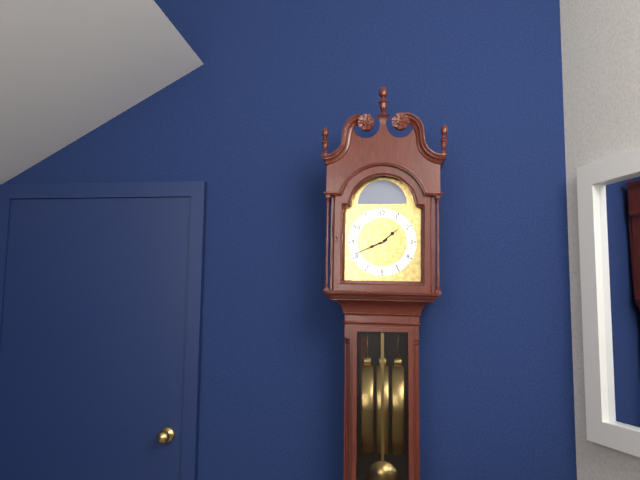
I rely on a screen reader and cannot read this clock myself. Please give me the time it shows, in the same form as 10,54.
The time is 1,41
